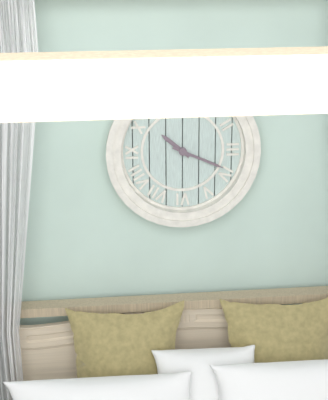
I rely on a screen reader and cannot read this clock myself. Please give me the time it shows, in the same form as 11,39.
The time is 10,19
